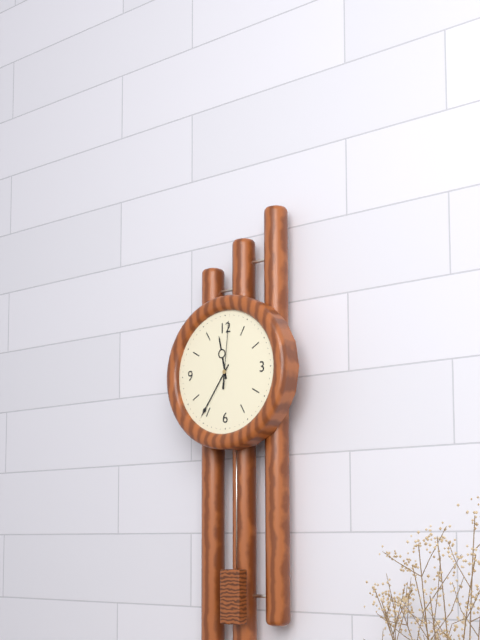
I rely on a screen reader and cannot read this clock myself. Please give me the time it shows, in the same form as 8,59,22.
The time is 11,36,01
